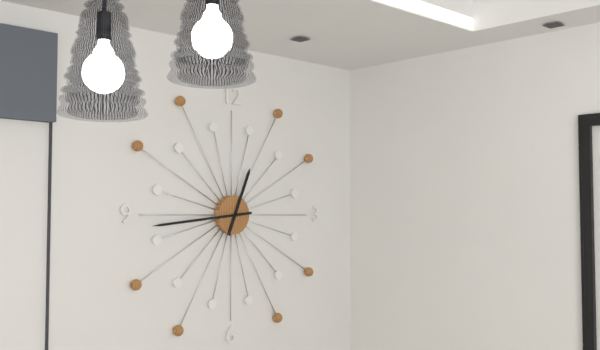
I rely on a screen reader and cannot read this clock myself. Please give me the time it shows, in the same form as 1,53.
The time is 12,44
